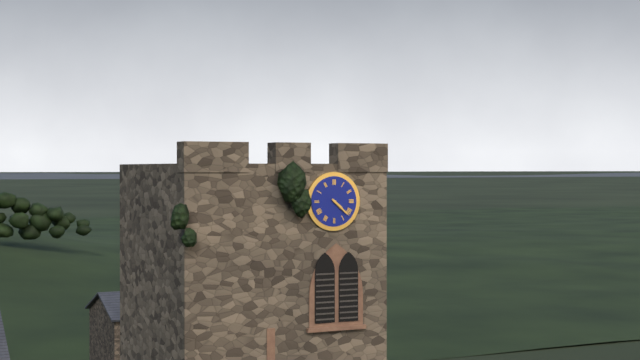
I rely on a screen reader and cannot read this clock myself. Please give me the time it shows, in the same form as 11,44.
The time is 4,22
